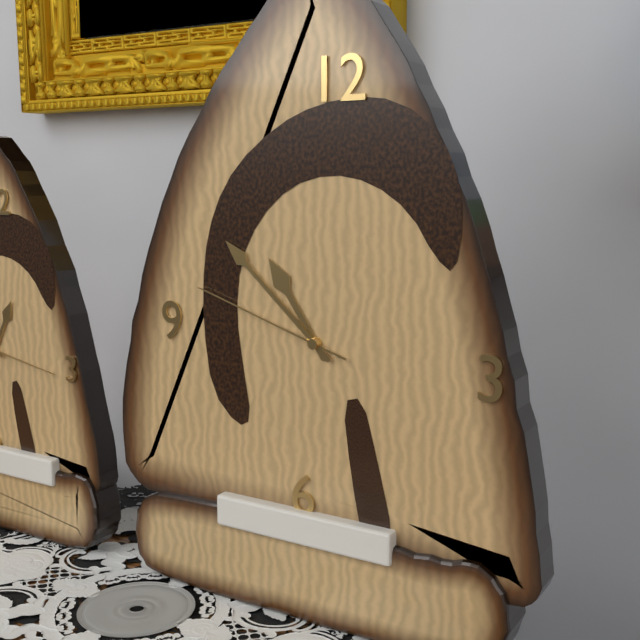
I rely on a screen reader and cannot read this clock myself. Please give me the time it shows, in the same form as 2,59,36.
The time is 10,52,48
